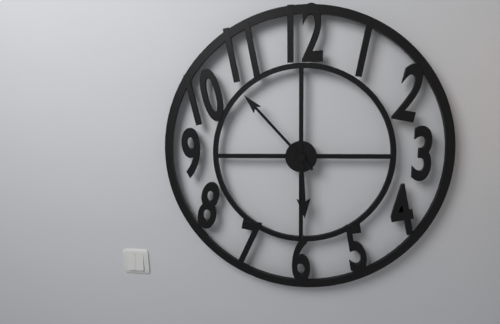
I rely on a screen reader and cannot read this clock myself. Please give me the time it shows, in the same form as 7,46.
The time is 5,53
